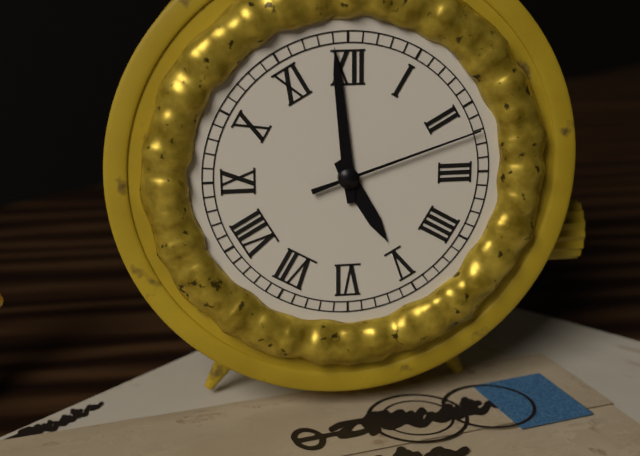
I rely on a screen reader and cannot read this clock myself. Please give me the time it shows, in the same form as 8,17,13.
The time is 4,59,12
